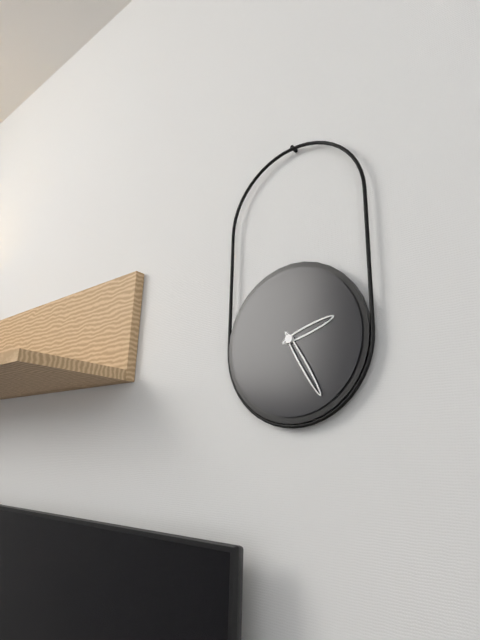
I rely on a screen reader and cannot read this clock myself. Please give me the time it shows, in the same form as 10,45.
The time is 2,25
